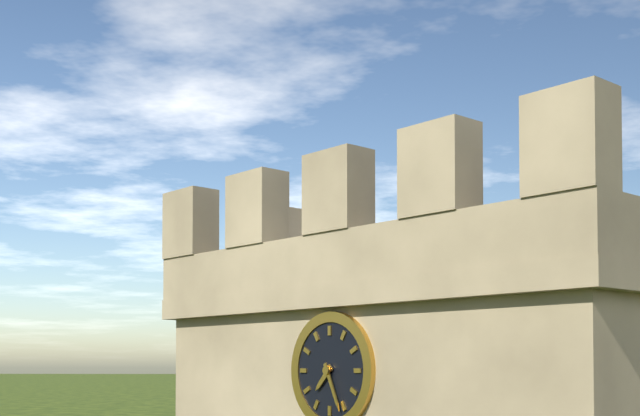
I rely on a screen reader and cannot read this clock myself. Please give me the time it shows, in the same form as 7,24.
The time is 7,26
